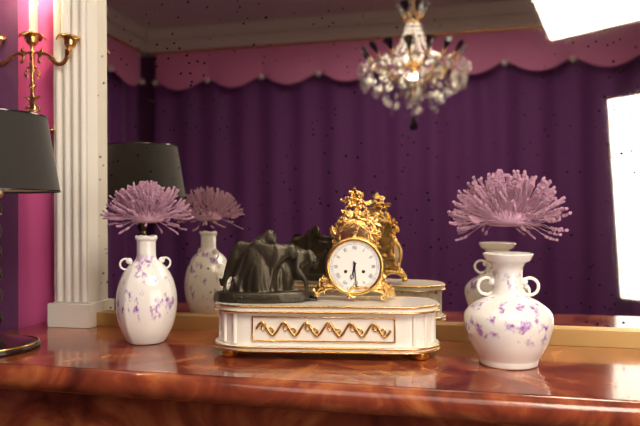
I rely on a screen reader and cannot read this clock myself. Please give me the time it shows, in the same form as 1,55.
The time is 6,29
